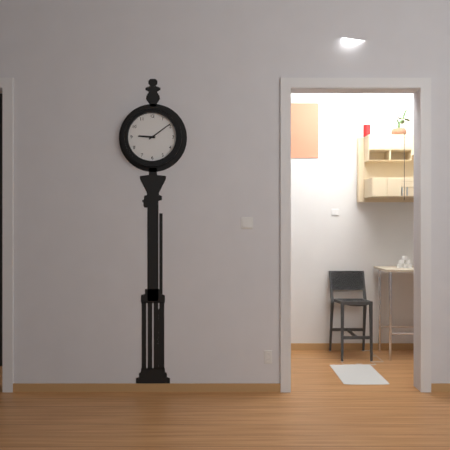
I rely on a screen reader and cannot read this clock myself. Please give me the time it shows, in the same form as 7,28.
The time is 9,09
